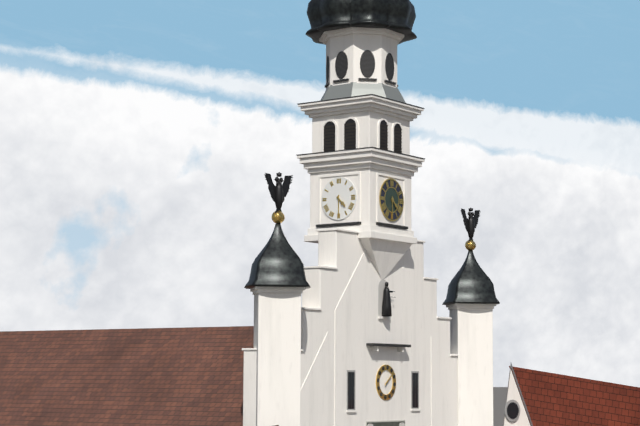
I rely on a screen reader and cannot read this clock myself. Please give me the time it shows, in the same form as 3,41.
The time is 4,30
